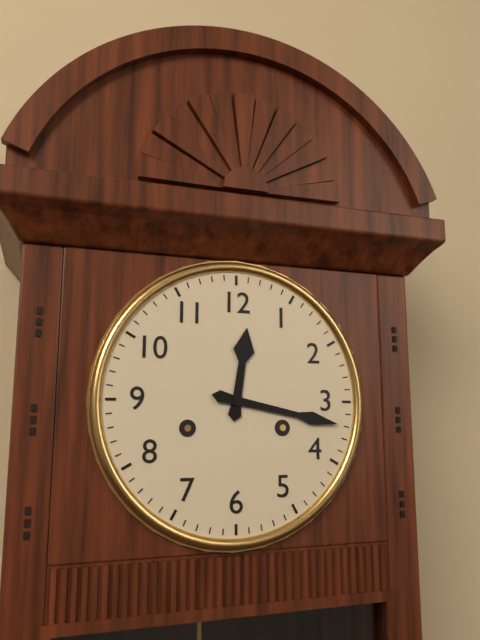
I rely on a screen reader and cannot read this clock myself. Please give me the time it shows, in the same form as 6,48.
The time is 12,17
